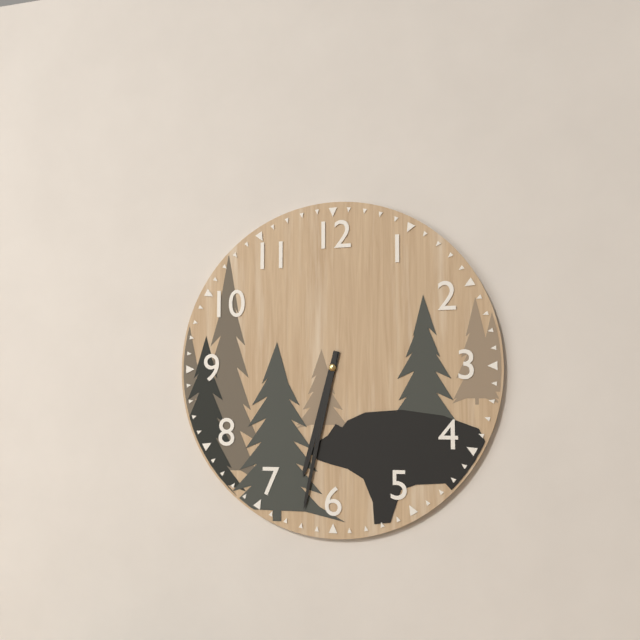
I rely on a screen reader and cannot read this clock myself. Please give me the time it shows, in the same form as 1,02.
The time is 6,32
